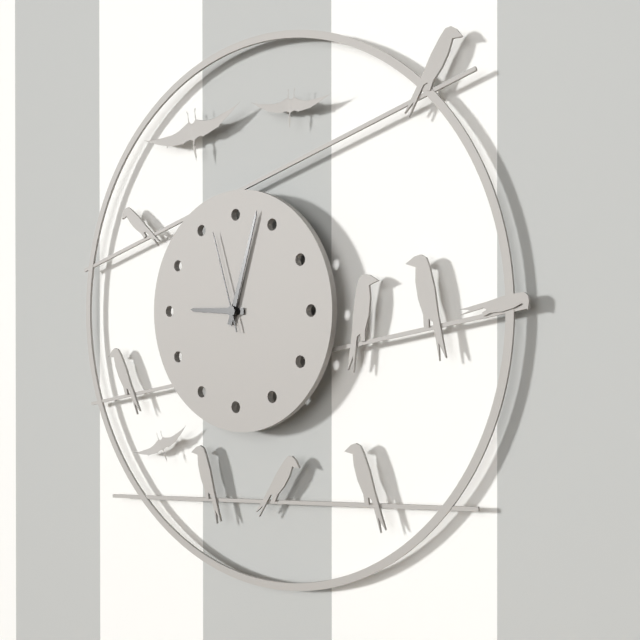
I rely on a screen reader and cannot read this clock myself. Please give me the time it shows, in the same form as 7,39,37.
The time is 9,03,57
